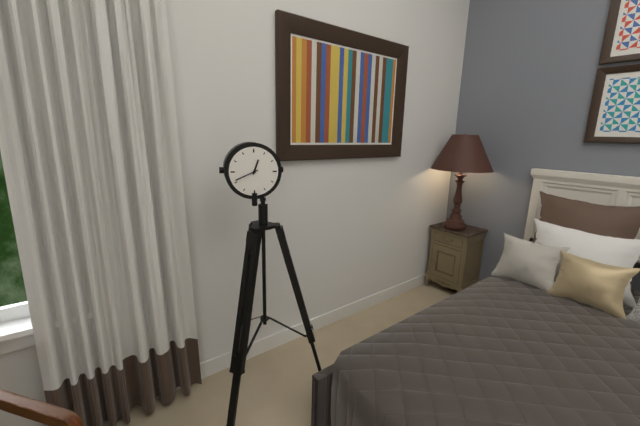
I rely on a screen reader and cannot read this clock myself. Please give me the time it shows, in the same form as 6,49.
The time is 12,41
